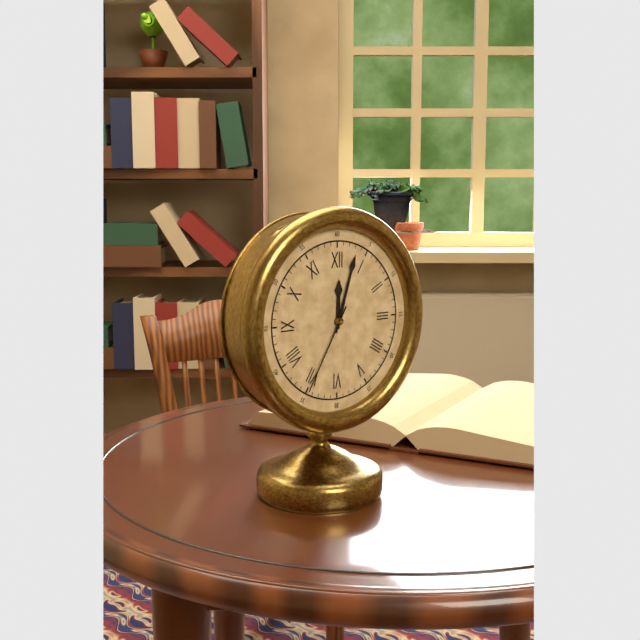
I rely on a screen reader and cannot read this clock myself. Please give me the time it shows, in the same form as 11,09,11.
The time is 12,03,35
